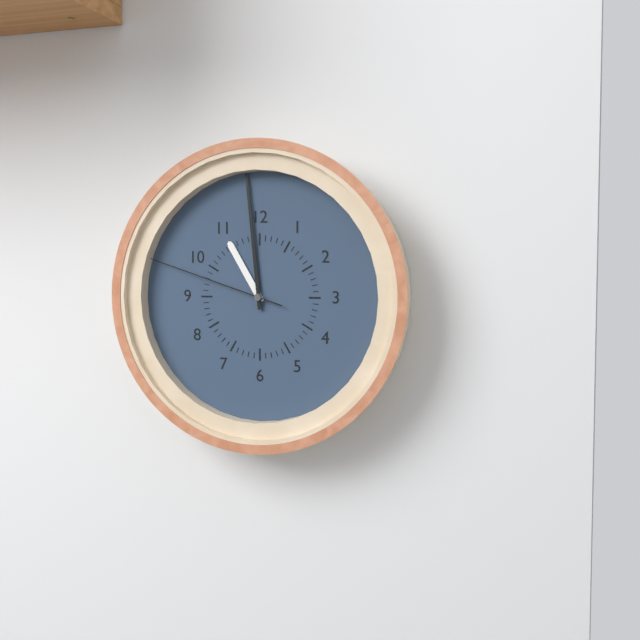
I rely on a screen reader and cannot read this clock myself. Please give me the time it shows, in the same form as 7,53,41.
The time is 10,59,48
